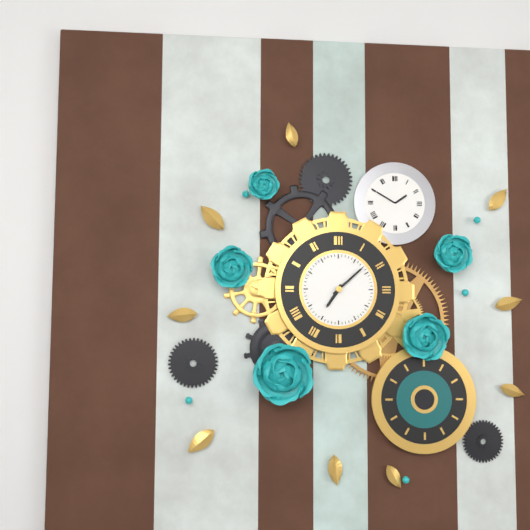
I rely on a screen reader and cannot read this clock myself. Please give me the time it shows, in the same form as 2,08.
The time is 7,08
